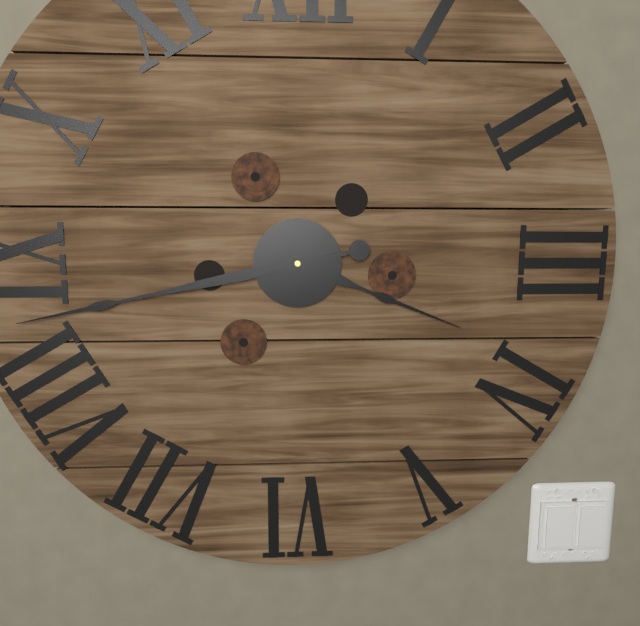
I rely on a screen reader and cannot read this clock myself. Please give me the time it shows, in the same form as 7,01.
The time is 3,43
